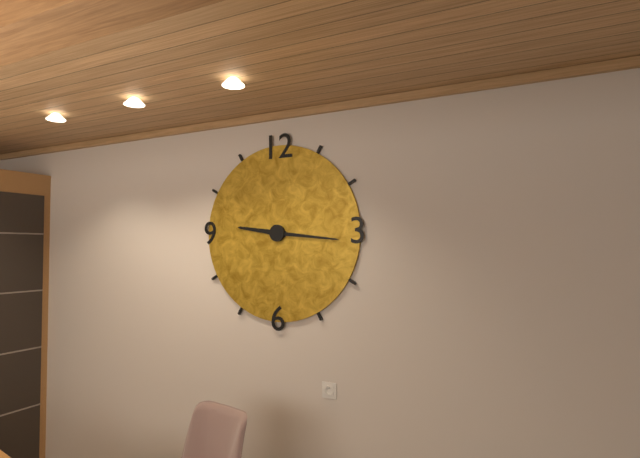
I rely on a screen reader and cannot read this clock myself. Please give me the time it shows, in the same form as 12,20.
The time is 9,16
